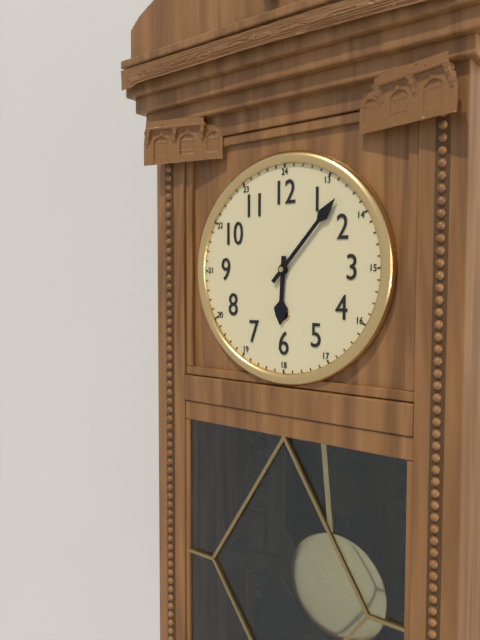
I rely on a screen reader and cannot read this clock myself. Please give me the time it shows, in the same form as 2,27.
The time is 6,07
